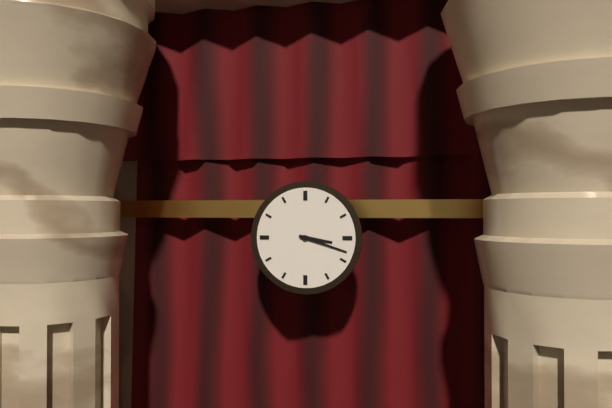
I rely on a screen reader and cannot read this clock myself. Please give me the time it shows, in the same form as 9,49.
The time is 3,18
